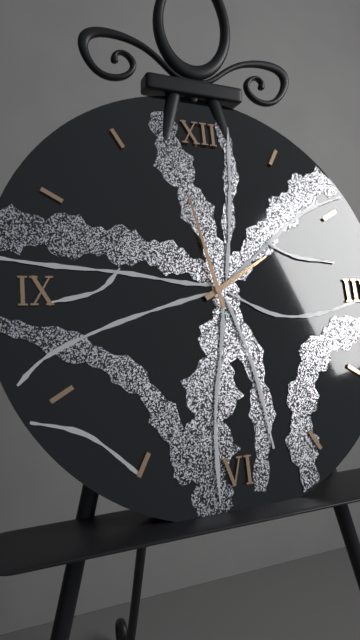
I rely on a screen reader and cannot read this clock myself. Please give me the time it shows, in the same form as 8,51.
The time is 1,58
